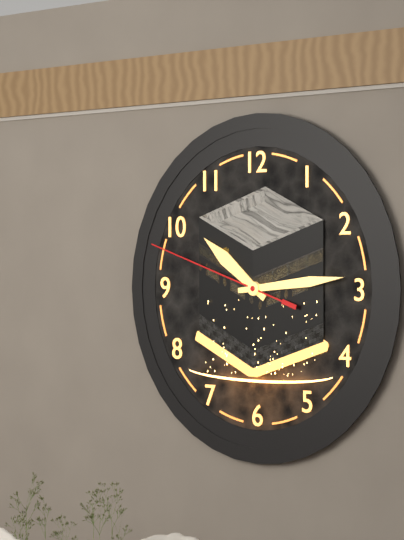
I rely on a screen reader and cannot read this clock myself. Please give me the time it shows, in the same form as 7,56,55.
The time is 10,14,48
